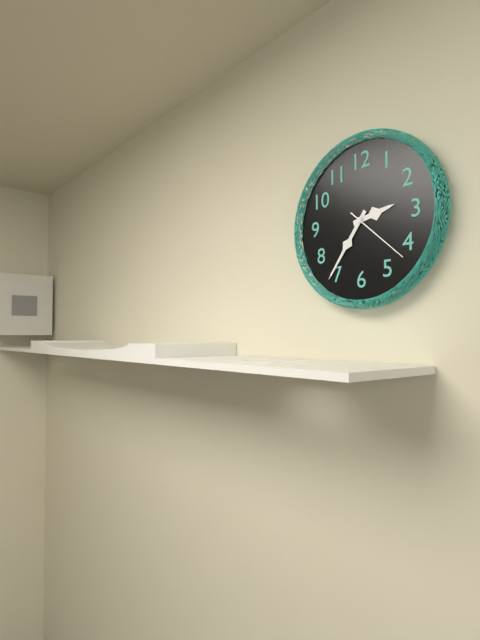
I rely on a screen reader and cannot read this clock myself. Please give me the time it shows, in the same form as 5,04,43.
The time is 2,36,22
